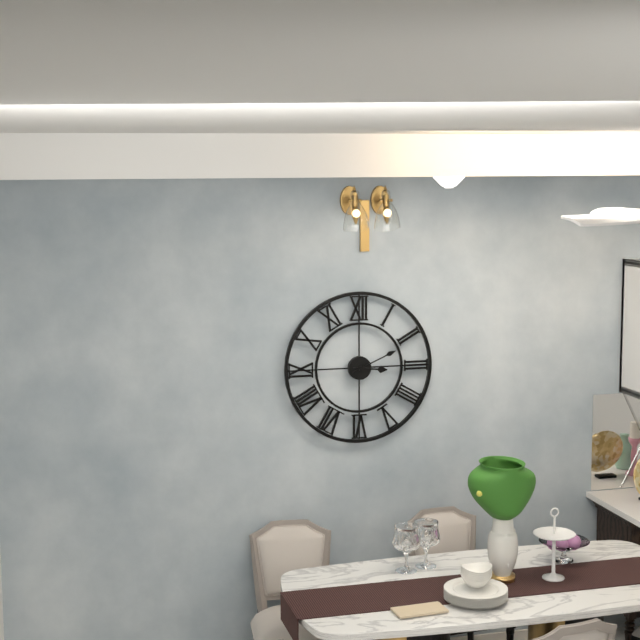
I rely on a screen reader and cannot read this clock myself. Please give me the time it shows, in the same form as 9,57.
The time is 3,11
